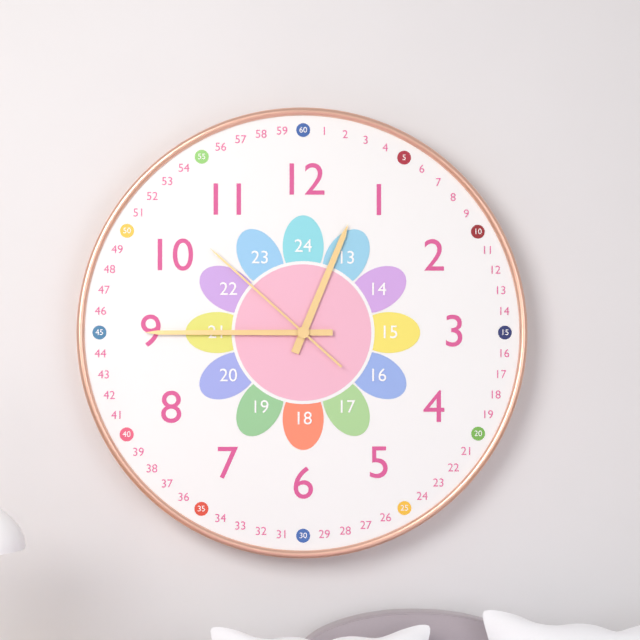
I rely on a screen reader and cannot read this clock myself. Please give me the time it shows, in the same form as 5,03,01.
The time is 12,45,52
